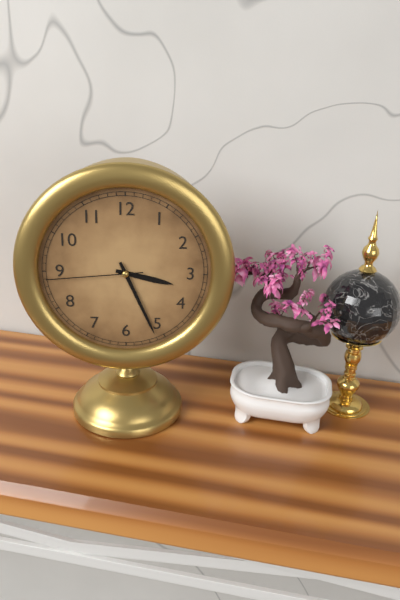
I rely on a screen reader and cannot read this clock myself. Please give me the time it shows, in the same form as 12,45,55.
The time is 3,26,44
